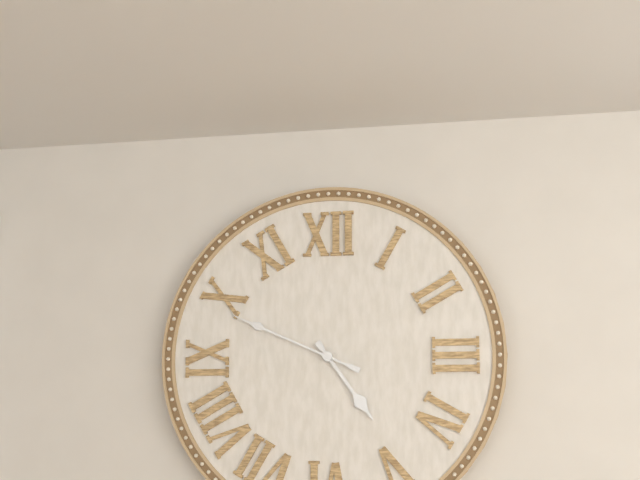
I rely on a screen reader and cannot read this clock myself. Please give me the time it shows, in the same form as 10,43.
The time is 4,49
